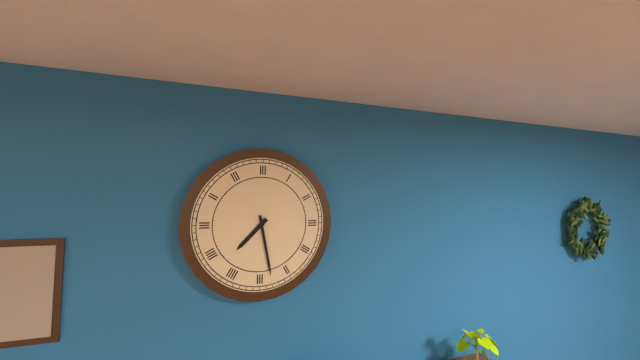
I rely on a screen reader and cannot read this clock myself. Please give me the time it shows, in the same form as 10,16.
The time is 7,28
